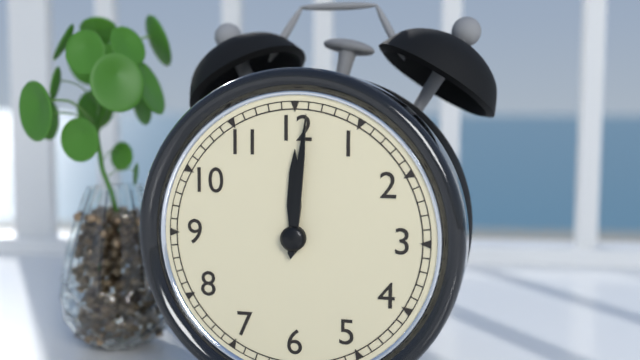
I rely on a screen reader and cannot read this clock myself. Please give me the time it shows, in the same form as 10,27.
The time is 12,01
